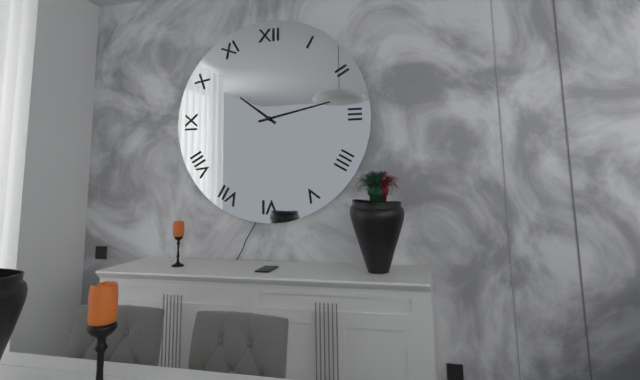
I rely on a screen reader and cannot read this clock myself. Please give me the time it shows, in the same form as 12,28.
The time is 10,13
